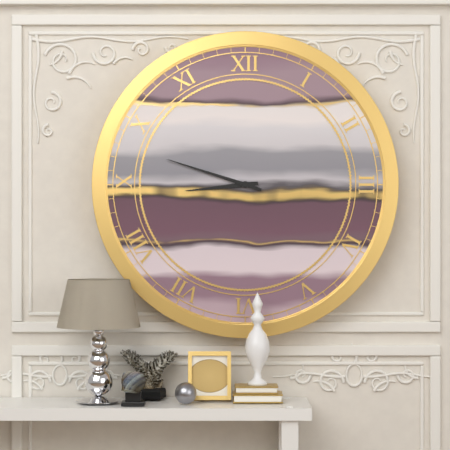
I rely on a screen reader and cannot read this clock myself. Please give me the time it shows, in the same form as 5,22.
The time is 8,48
